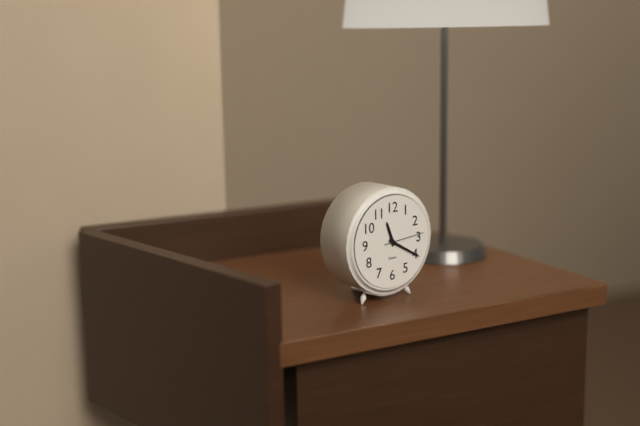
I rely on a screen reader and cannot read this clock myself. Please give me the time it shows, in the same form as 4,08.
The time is 11,20
